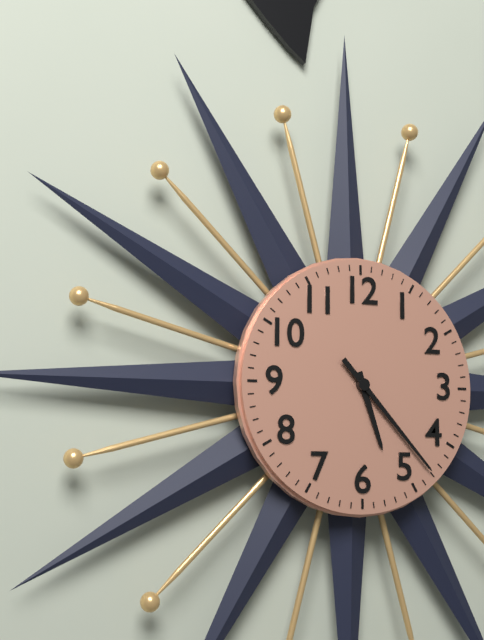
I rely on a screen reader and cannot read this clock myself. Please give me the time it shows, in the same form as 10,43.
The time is 5,23
